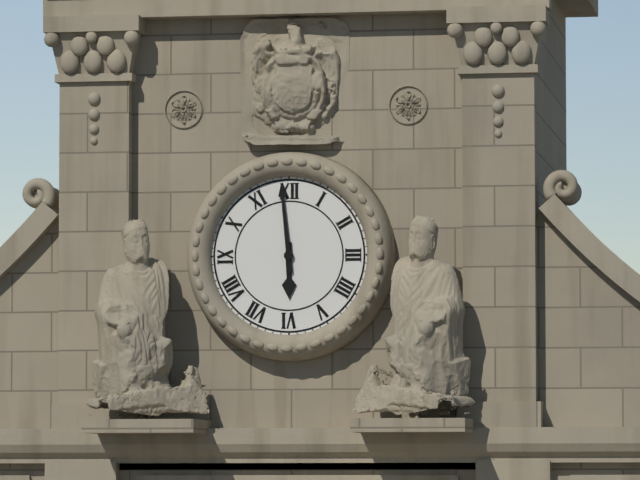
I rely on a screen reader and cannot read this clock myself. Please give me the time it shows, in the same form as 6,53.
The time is 5,59
